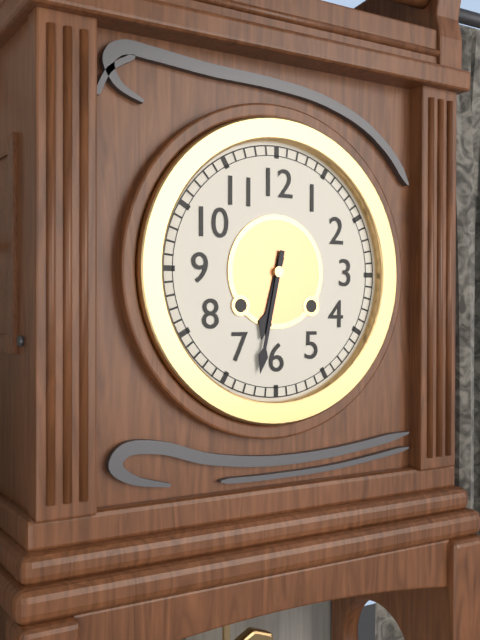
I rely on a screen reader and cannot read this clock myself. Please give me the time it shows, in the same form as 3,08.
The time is 6,32
